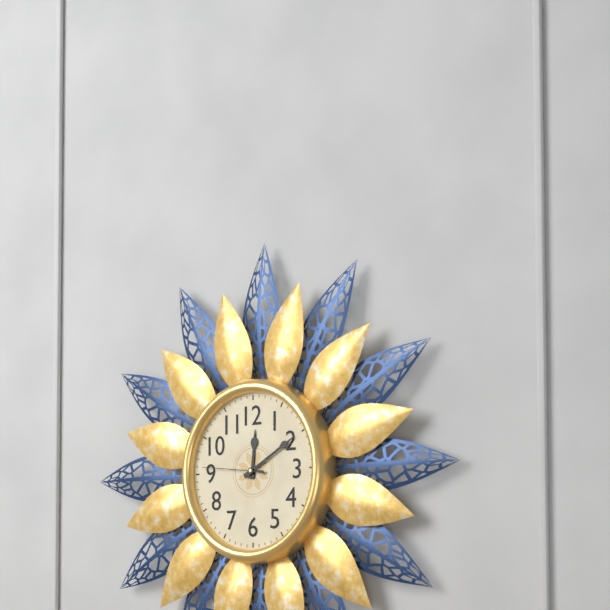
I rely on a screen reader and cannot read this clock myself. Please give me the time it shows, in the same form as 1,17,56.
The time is 12,10,46
